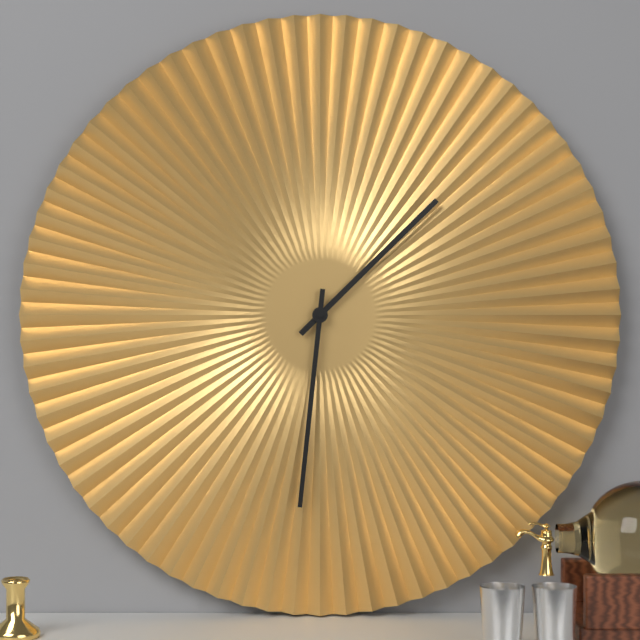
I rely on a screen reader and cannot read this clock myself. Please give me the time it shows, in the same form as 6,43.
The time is 1,31
